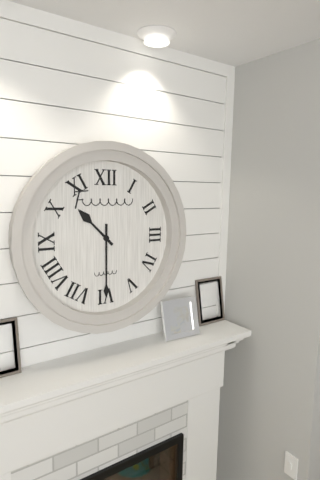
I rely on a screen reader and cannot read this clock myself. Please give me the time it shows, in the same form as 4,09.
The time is 10,30
